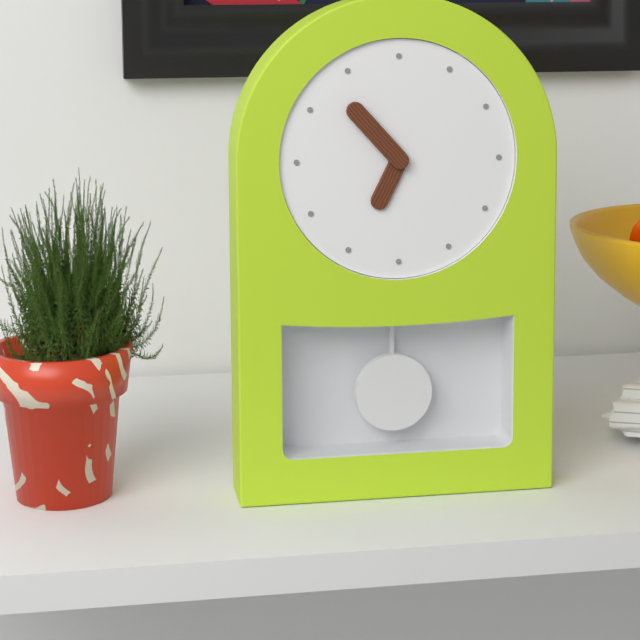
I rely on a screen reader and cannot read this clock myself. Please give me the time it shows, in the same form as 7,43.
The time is 6,53
